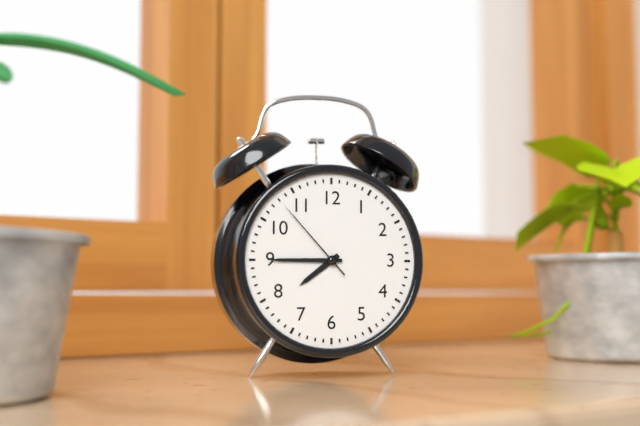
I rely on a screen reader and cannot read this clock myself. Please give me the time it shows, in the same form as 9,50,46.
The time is 7,45,53
